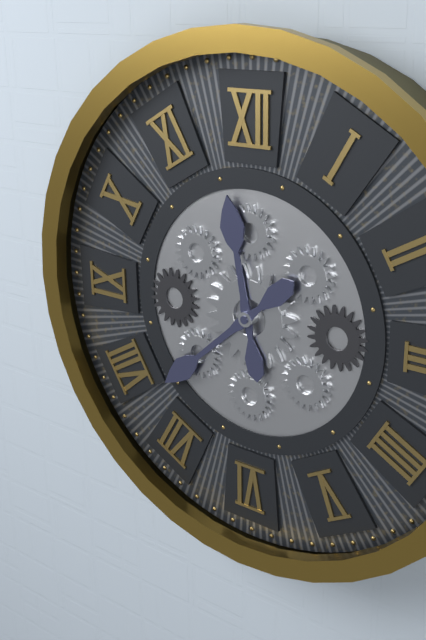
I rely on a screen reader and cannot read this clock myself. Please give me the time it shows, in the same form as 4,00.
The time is 11,38
